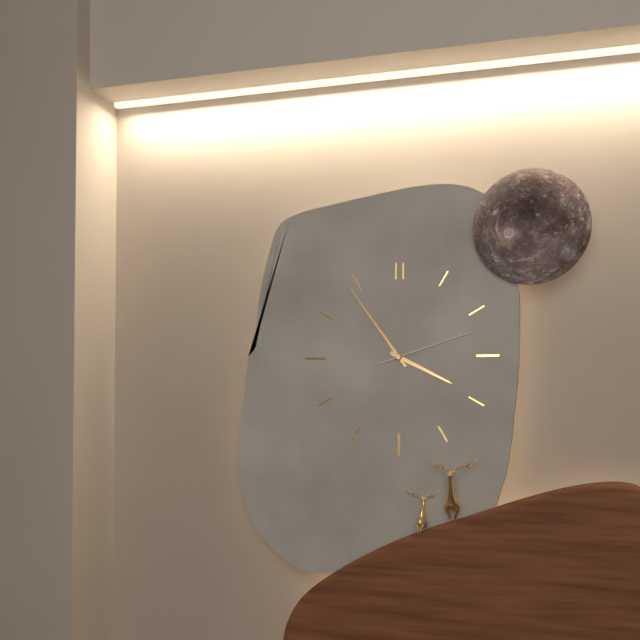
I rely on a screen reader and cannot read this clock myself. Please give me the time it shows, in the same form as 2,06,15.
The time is 3,54,12
